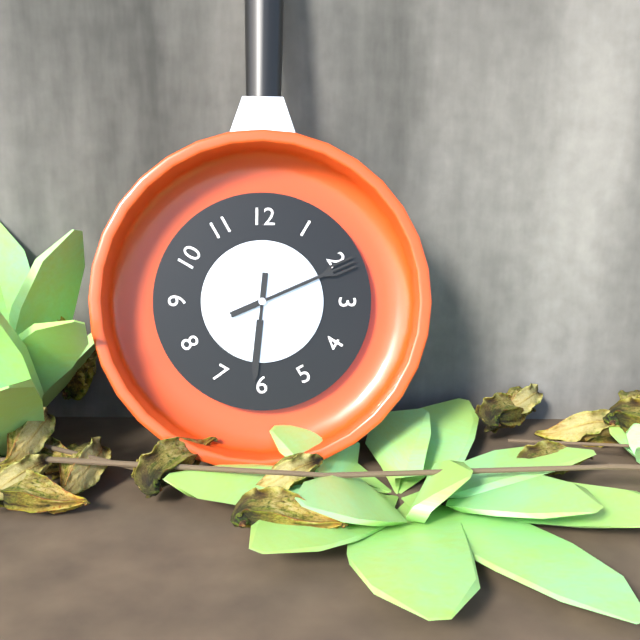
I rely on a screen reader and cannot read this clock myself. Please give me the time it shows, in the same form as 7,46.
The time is 6,11
